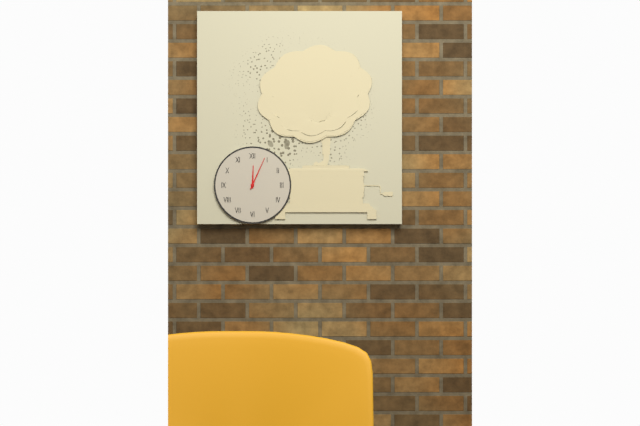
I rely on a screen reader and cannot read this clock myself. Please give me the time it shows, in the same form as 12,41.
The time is 12,04
